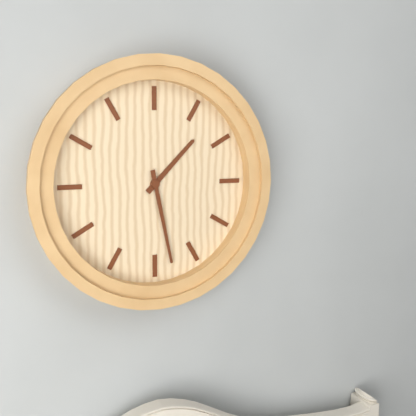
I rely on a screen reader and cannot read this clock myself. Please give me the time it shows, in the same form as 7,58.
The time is 1,28
